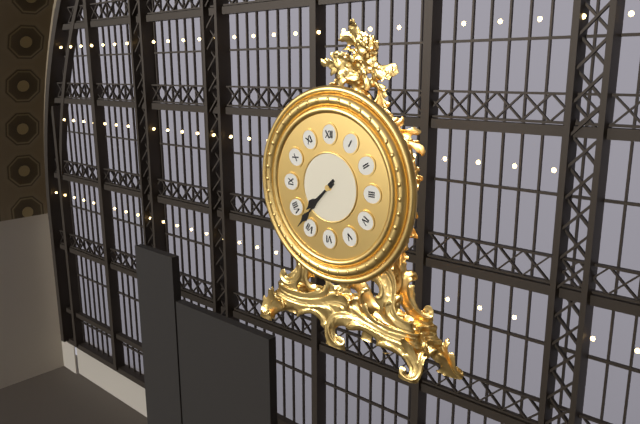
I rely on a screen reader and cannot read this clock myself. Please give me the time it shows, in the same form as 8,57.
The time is 7,37
